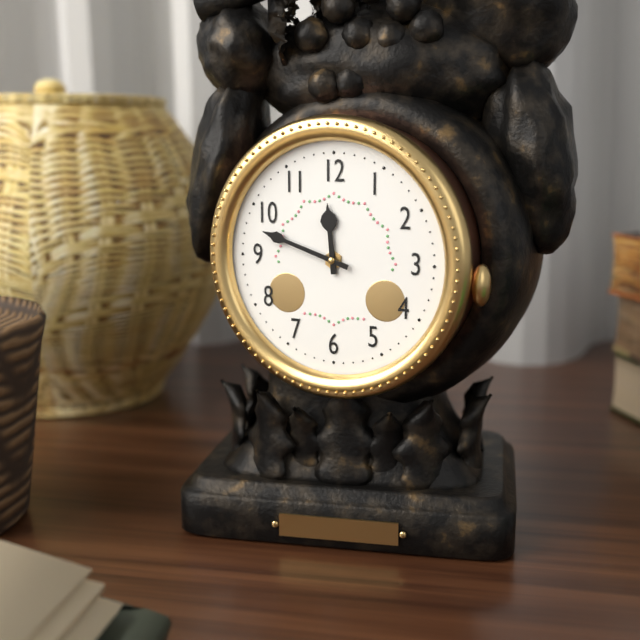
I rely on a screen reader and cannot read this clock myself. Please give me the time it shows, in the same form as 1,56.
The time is 11,48
